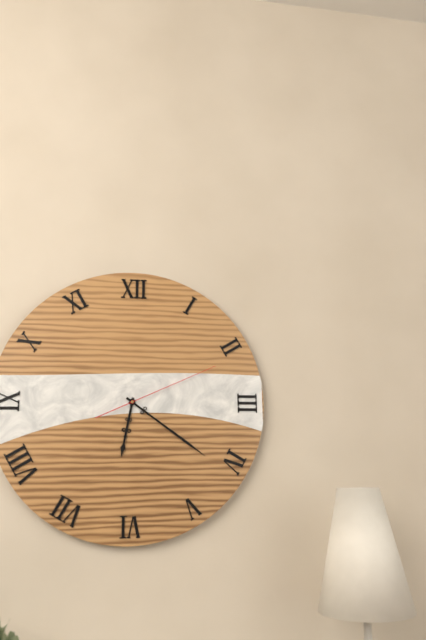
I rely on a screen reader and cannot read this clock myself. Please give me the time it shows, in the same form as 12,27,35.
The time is 6,21,11
